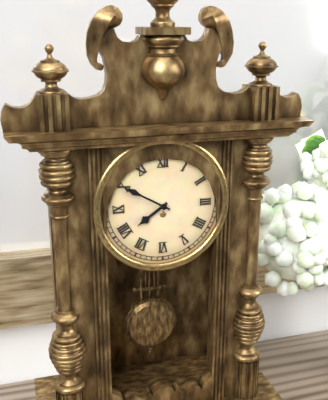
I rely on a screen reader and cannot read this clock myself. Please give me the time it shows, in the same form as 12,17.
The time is 7,50
